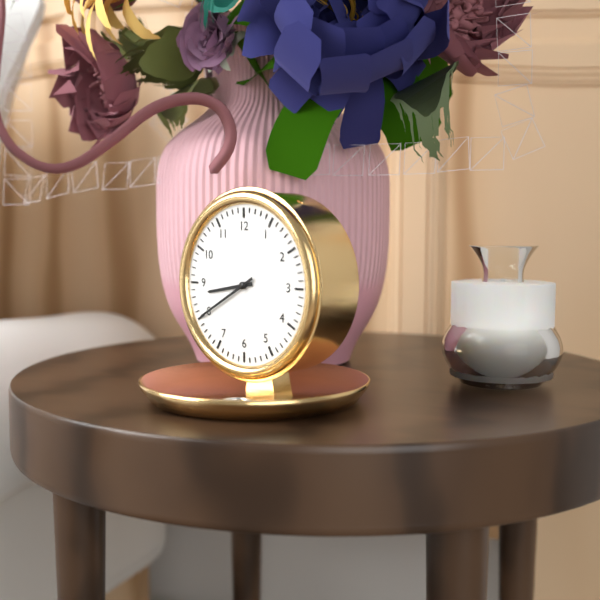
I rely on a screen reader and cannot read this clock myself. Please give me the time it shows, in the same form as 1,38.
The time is 8,40
